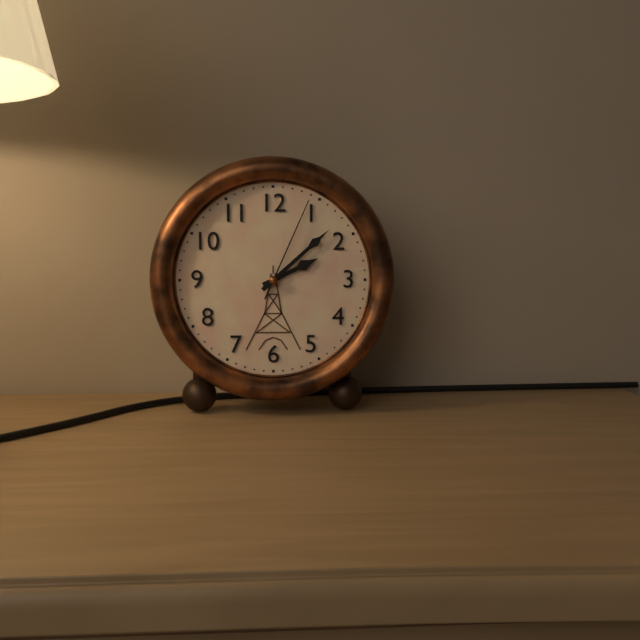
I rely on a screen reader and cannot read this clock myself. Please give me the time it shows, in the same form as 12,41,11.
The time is 2,08,04
